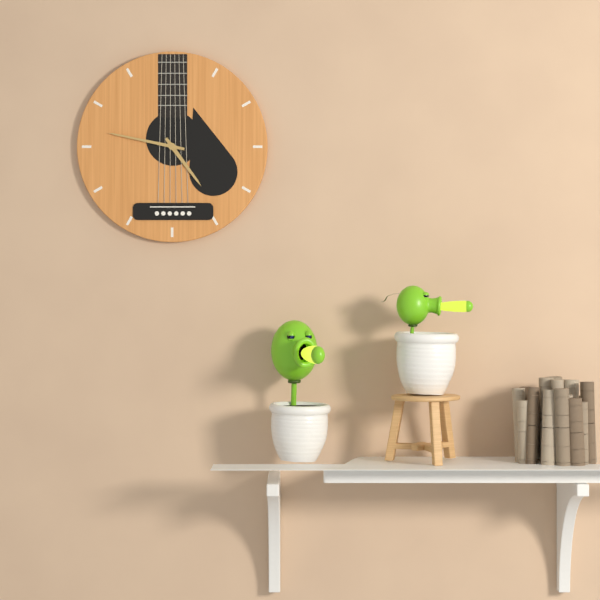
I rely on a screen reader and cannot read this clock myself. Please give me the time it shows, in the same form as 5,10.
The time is 4,47
